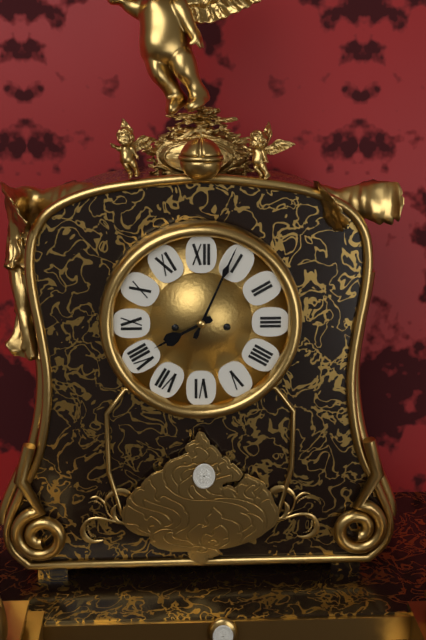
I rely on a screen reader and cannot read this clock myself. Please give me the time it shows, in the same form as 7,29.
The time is 8,04
